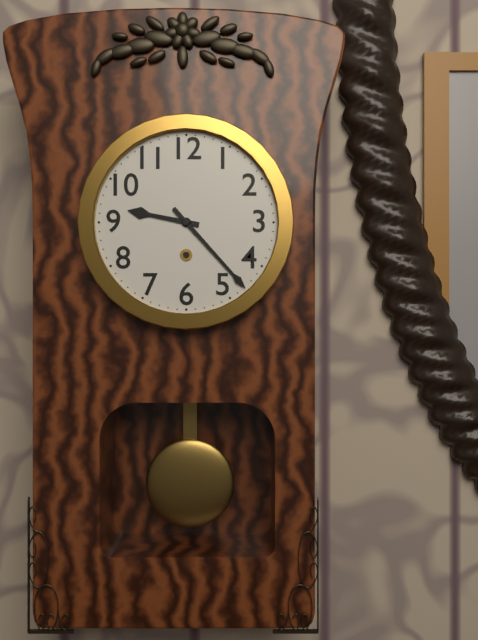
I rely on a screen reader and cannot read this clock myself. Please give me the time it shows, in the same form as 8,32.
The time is 9,23
